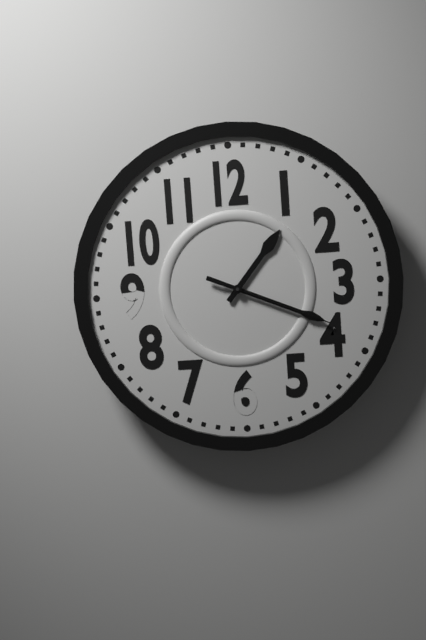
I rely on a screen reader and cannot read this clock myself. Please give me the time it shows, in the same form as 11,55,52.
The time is 1,19,19
